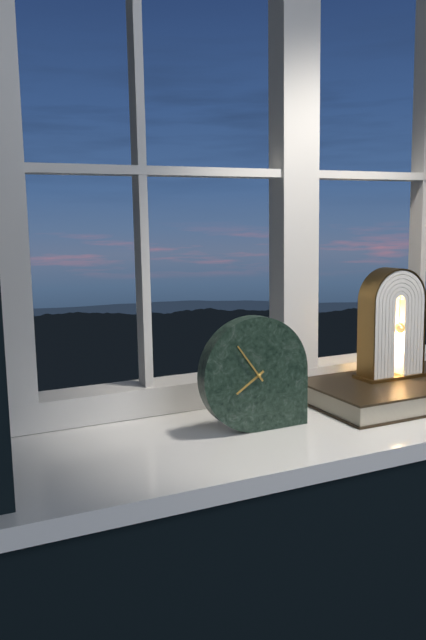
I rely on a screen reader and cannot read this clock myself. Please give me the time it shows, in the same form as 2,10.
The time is 7,54
